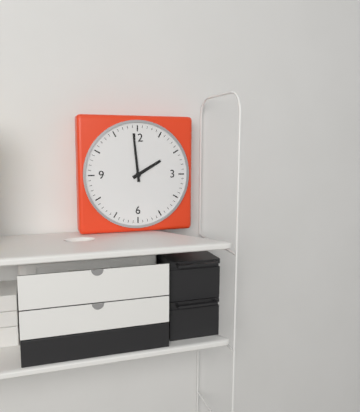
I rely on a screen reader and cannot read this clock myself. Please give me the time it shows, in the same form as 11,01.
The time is 1,59
